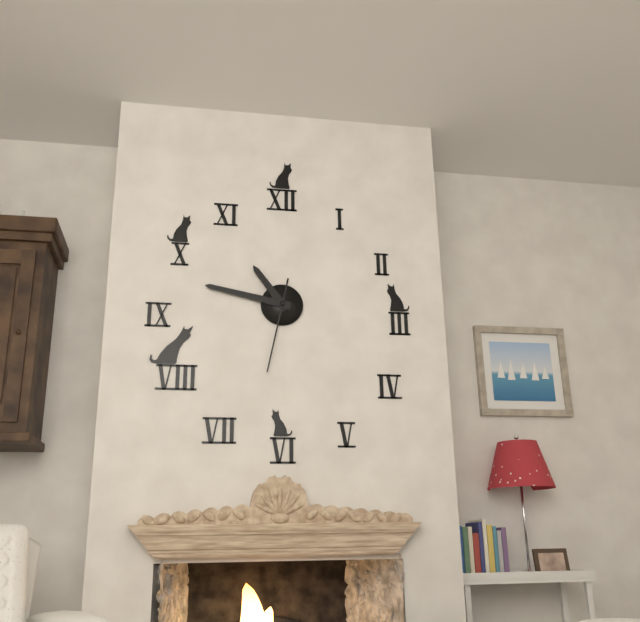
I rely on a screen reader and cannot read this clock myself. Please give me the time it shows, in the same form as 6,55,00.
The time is 10,47,32
